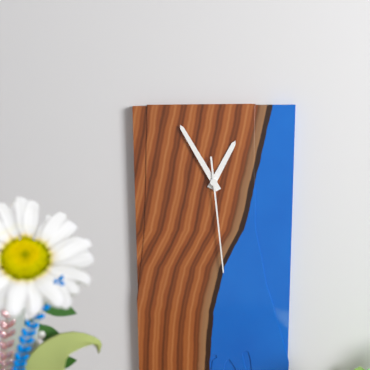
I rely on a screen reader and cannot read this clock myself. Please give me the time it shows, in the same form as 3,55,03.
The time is 12,55,29
